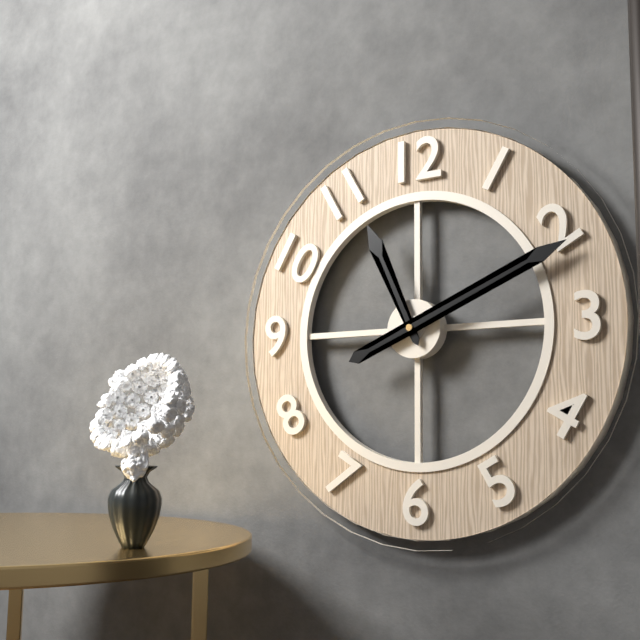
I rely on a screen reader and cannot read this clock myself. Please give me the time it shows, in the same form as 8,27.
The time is 11,11
